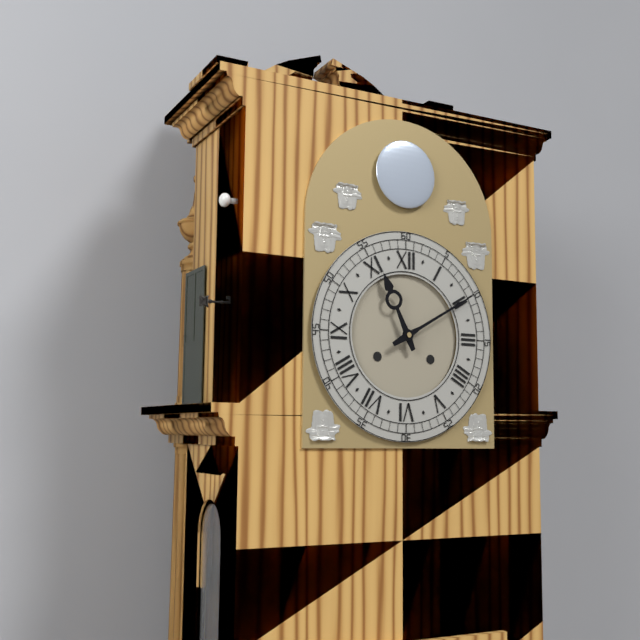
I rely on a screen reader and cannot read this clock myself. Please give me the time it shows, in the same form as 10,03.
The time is 11,10
